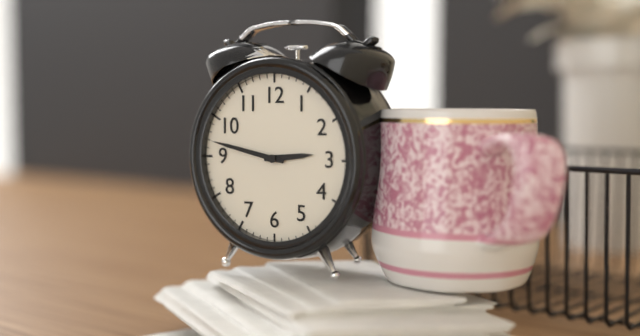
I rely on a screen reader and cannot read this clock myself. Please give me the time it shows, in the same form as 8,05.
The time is 2,47
